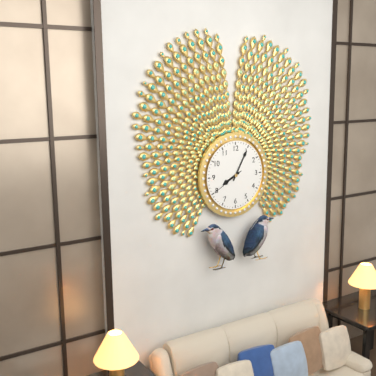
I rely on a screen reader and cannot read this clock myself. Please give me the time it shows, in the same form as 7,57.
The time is 8,05
